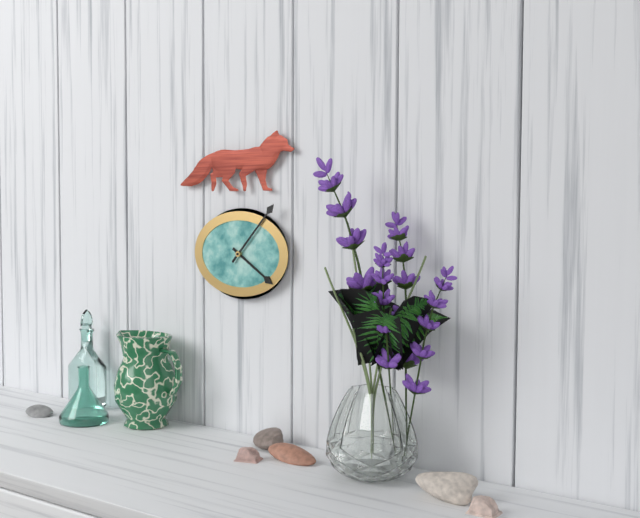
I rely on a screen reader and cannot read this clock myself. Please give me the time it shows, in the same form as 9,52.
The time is 4,07
